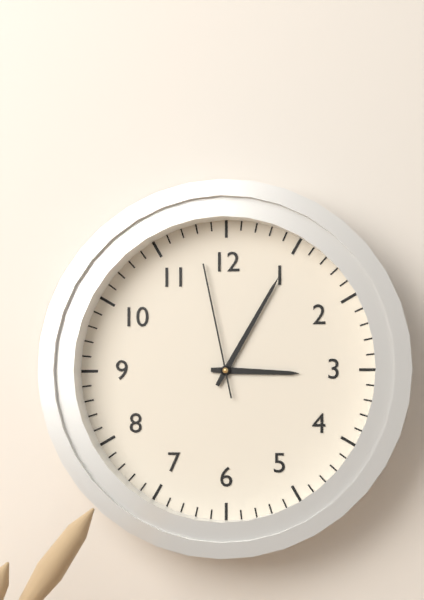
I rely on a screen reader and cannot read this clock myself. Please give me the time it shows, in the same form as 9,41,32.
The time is 3,05,58
